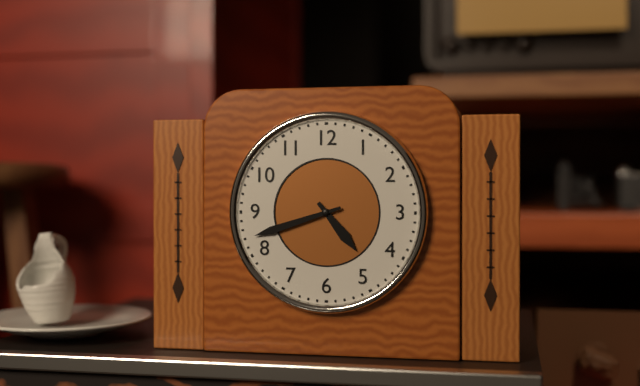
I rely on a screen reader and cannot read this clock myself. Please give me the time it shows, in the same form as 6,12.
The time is 4,42
